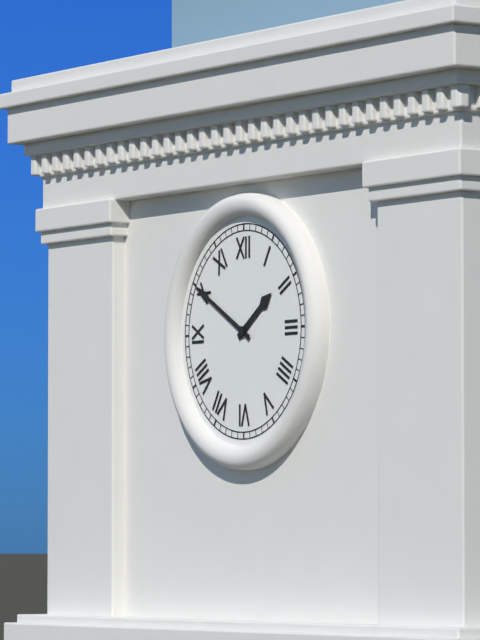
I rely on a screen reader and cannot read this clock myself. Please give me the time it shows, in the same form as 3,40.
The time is 1,50
